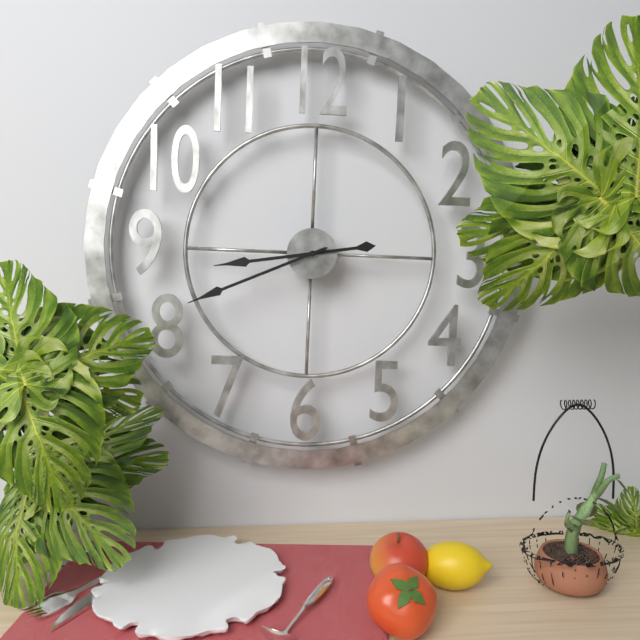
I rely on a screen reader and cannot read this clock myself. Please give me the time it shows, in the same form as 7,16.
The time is 8,41
